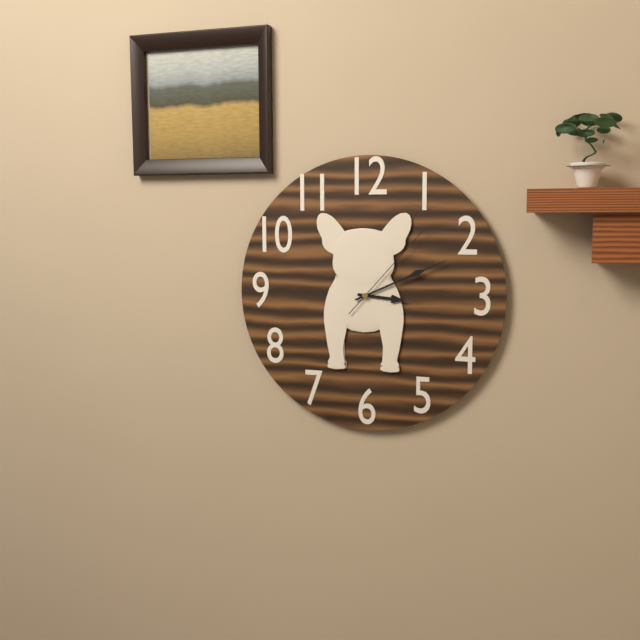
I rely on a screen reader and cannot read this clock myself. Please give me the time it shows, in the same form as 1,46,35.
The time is 3,11,07
